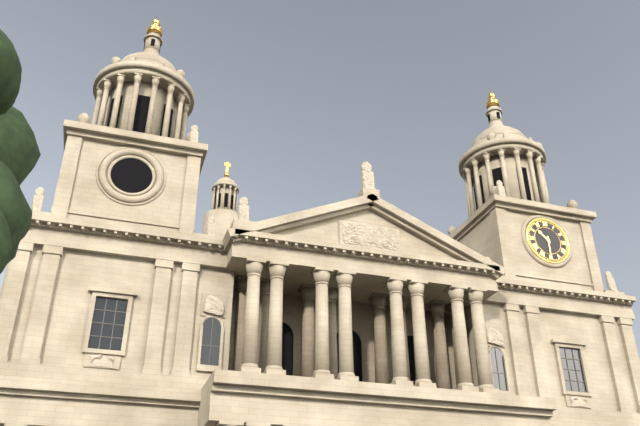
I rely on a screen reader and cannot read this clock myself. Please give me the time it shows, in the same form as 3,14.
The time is 10,30
